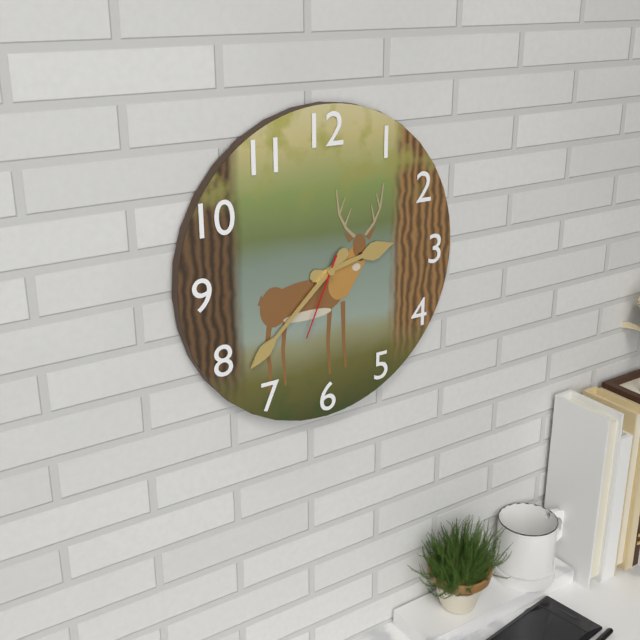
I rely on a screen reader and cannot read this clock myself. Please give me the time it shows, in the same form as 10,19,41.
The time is 2,38,34
